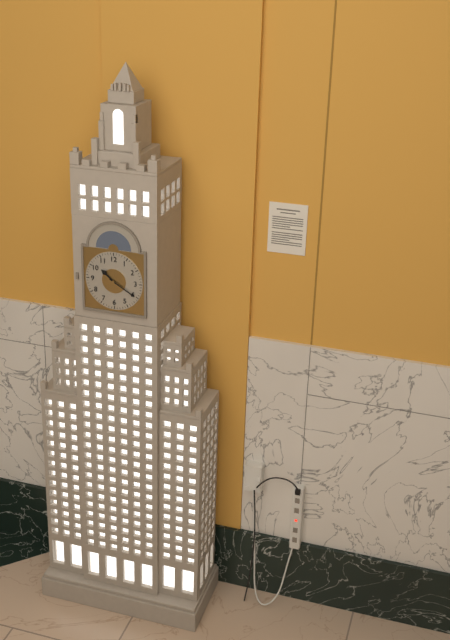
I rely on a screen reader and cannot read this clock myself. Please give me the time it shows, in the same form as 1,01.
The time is 10,20
